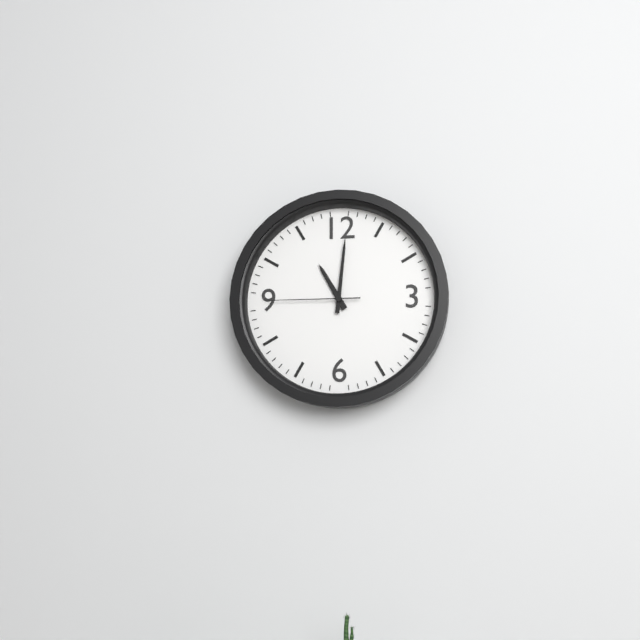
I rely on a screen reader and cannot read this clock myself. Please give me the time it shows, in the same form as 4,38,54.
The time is 11,01,45
